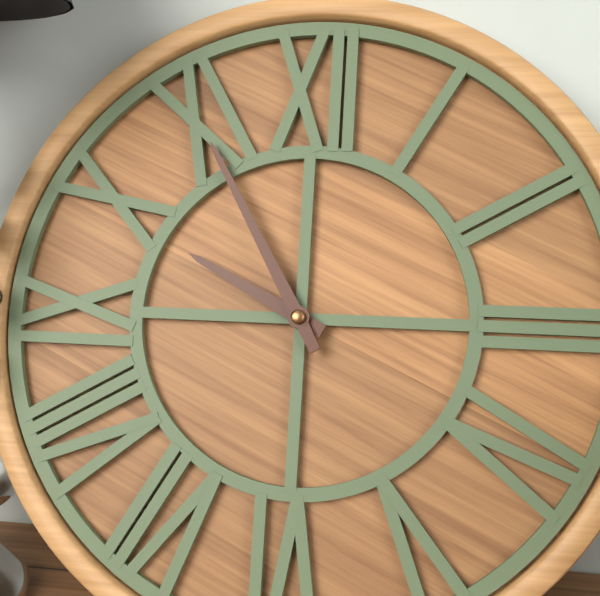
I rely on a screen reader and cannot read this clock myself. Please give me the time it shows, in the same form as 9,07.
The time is 9,55
